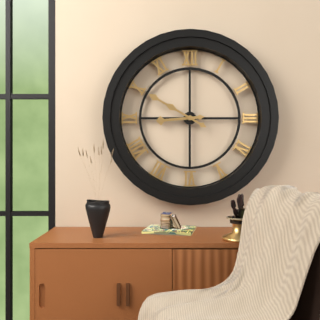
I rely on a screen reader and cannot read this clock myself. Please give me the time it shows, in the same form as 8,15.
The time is 8,50
